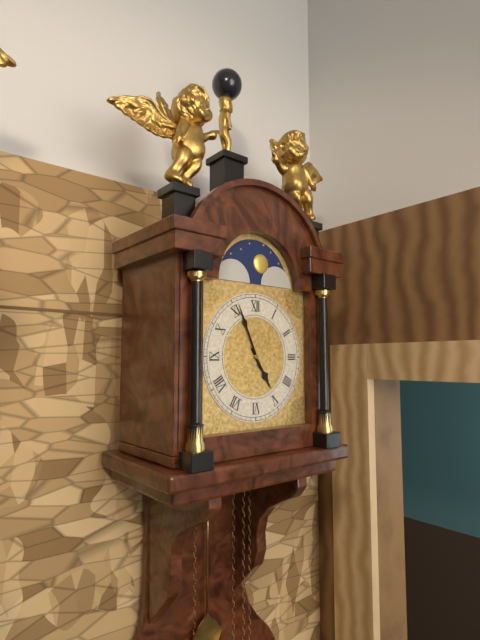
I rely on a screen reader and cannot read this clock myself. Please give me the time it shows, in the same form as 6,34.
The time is 4,56
